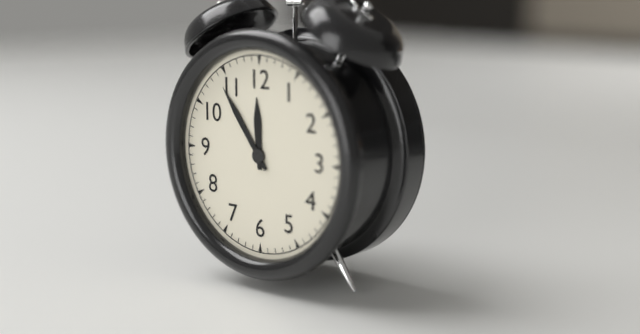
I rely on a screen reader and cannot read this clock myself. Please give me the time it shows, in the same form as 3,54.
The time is 11,54
